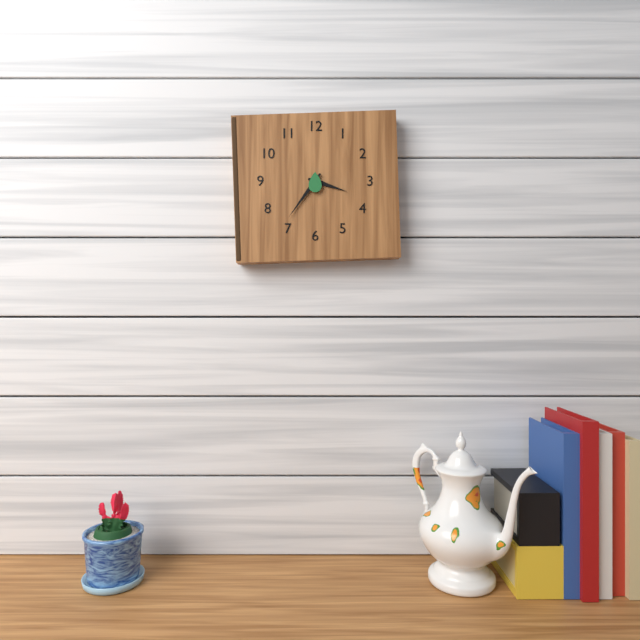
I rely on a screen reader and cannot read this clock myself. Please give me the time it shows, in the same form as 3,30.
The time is 3,36
